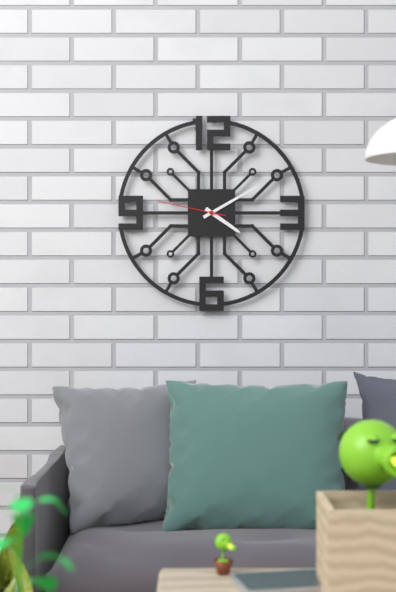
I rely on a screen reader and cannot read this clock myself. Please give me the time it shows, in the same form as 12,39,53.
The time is 4,10,47
